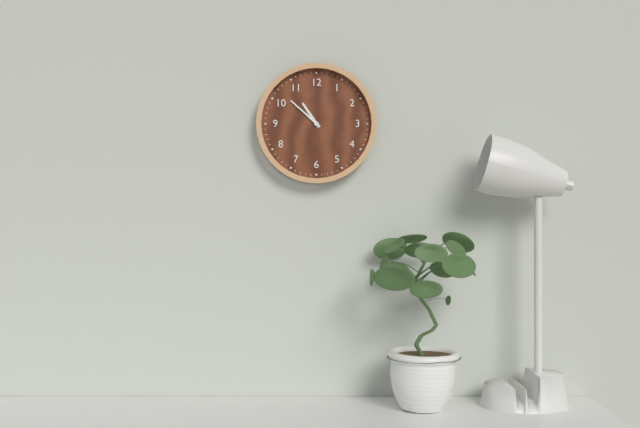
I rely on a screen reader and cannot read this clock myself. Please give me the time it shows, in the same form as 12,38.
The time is 10,52
